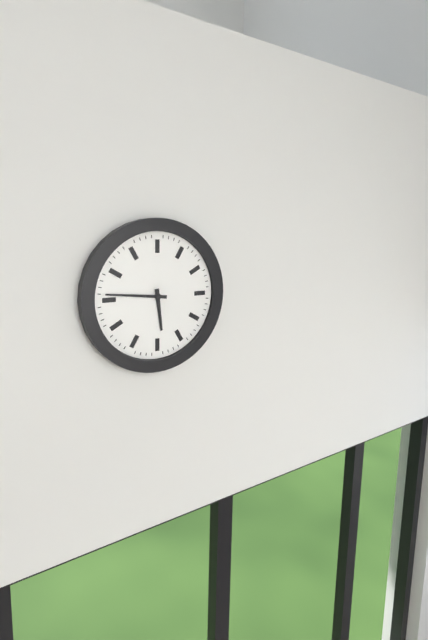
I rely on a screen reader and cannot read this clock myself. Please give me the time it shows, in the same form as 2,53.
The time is 5,46
